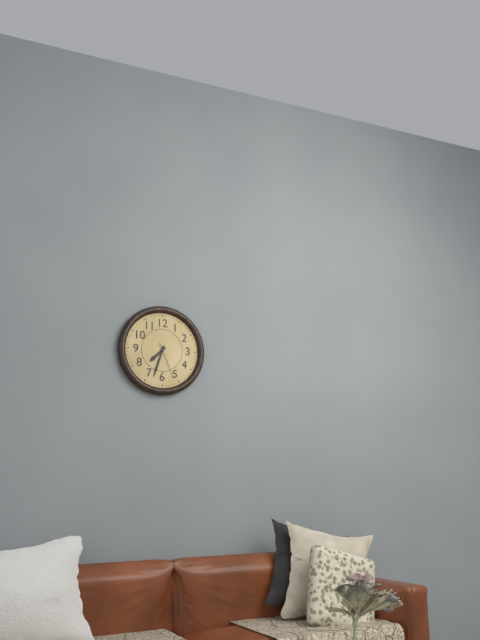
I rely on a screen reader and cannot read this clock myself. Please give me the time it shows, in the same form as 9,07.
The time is 7,33
